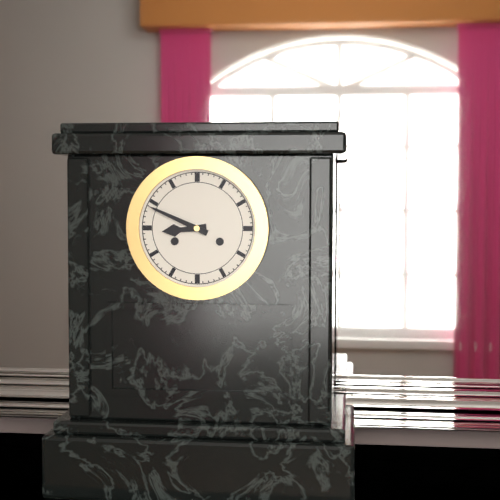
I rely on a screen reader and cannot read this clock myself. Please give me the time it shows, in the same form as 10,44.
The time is 8,49
